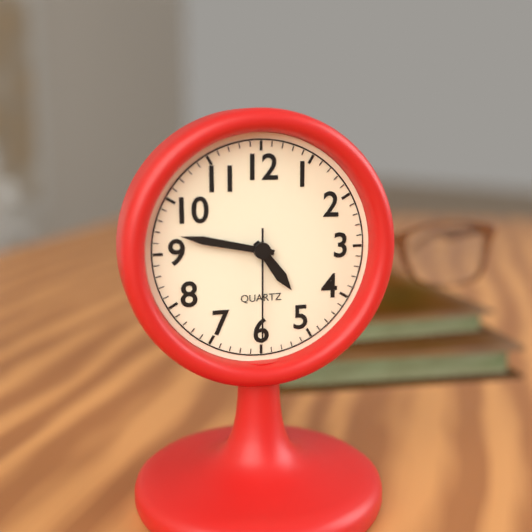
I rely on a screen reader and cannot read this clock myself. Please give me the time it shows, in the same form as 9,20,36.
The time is 4,47,30
